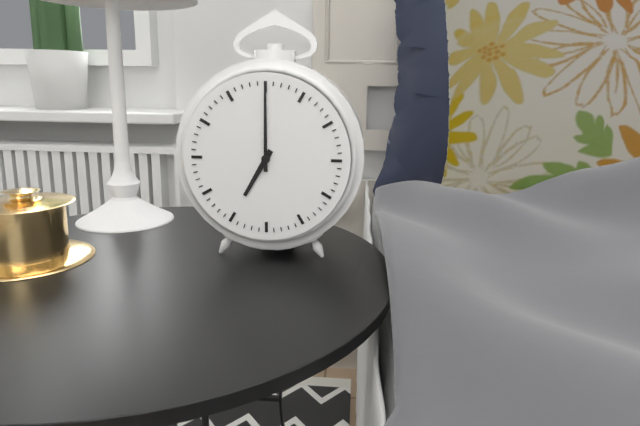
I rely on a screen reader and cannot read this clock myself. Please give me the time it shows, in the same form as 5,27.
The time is 7,00
